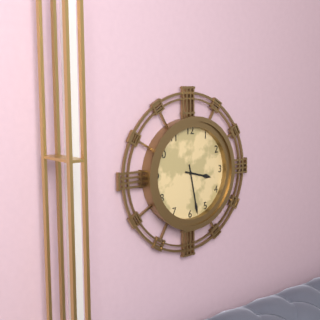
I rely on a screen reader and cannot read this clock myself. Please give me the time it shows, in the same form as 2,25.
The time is 3,28
